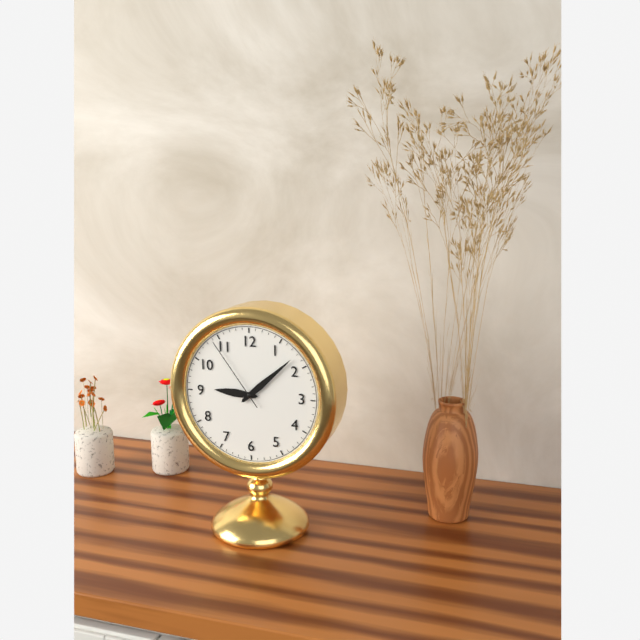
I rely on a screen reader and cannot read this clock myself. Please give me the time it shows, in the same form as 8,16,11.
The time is 9,08,54
